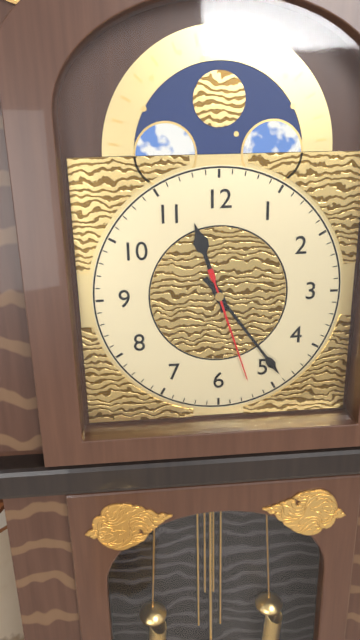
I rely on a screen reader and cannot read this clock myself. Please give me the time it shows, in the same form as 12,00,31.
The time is 11,24,27
